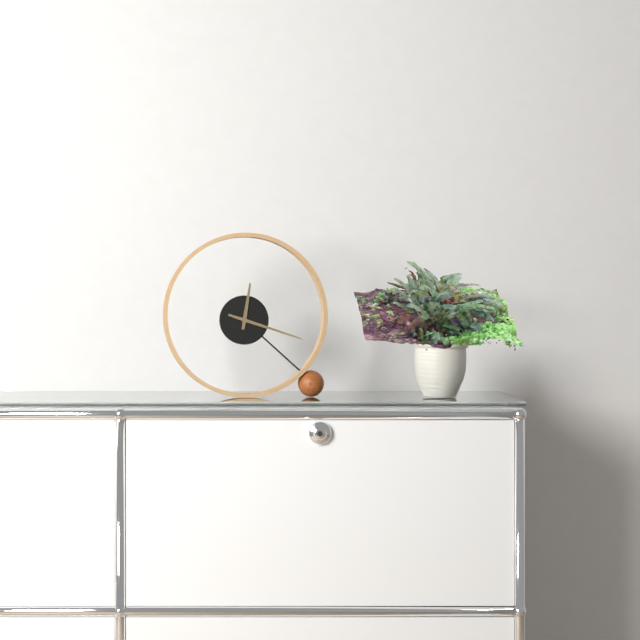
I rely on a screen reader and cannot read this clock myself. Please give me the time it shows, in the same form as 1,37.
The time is 12,18
